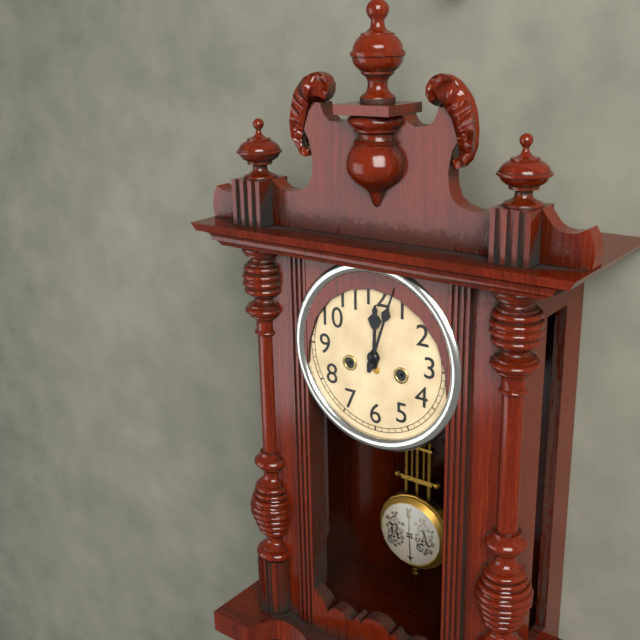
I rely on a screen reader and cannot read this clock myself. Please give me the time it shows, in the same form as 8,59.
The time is 12,03
